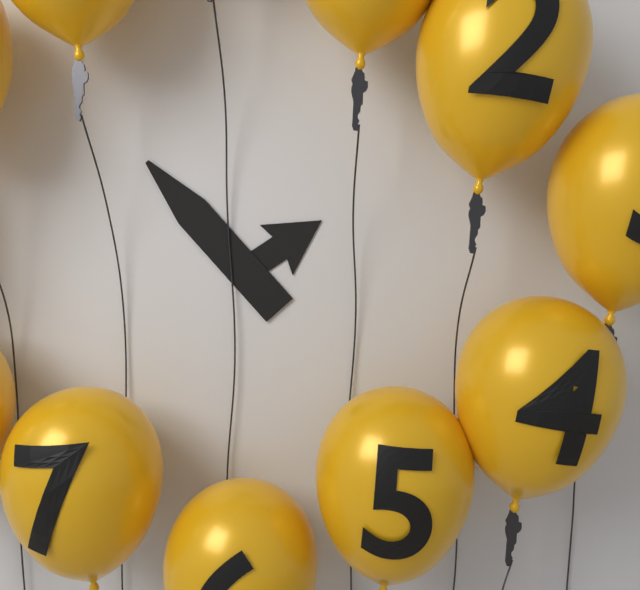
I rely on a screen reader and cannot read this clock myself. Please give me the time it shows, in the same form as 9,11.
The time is 1,53
